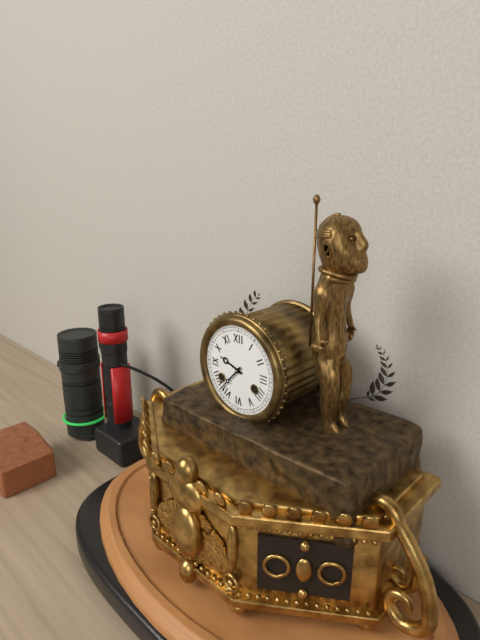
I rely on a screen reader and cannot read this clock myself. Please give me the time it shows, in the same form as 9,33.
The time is 9,37
